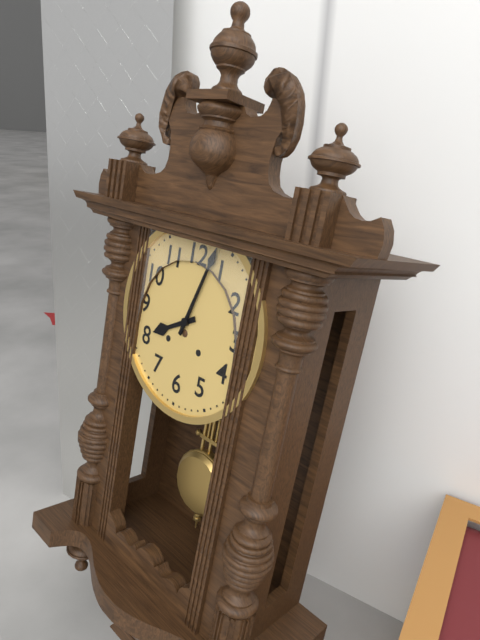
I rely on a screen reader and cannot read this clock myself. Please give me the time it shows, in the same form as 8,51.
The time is 8,03
